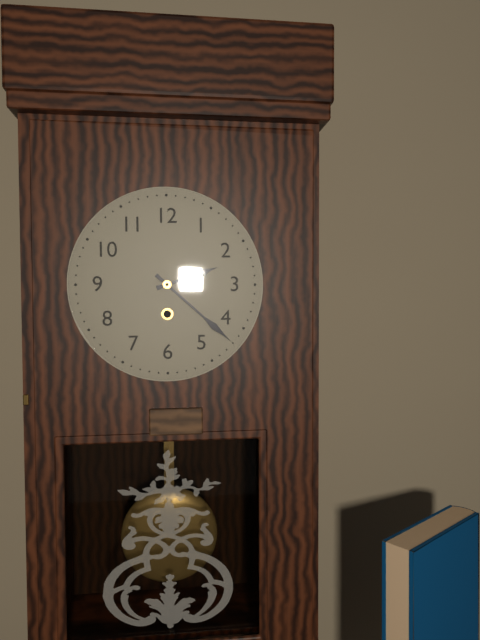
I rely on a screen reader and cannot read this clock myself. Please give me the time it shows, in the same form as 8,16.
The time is 2,22
